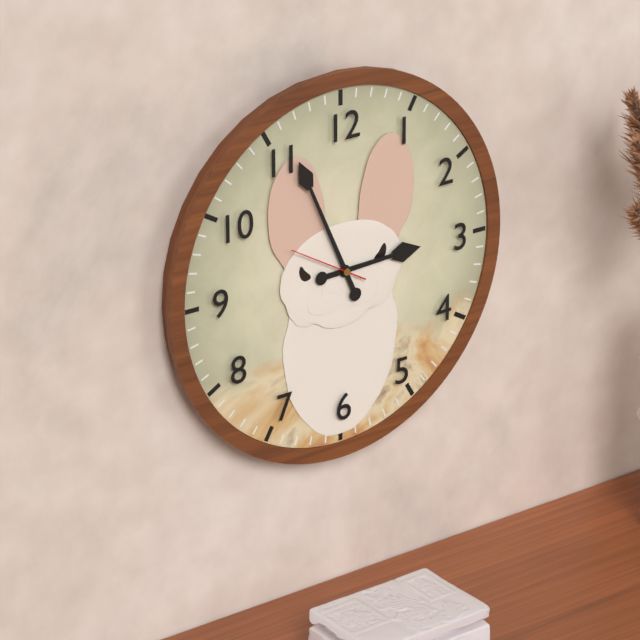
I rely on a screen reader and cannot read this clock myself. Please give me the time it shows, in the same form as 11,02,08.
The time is 2,56,50
